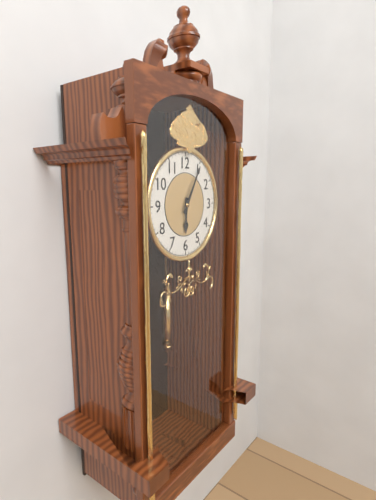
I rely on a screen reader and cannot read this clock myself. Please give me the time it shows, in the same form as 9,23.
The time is 6,05
